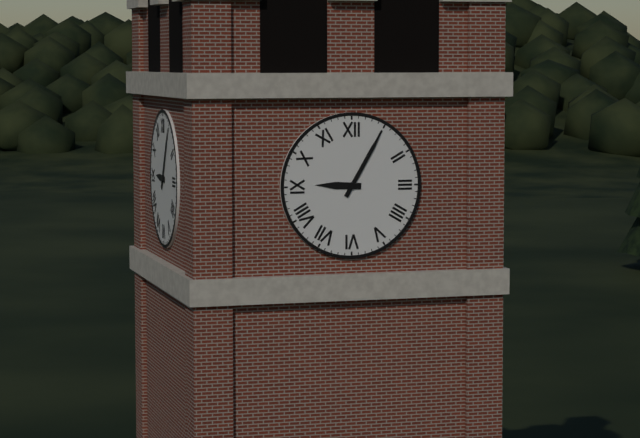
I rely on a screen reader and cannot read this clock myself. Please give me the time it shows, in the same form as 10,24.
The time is 9,05
